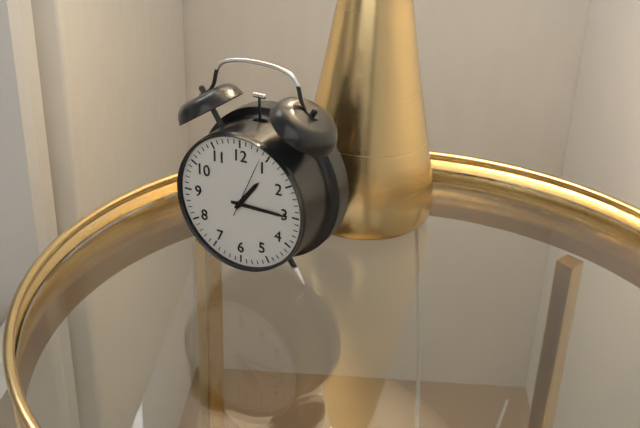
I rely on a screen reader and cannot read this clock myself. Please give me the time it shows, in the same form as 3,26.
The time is 1,15
